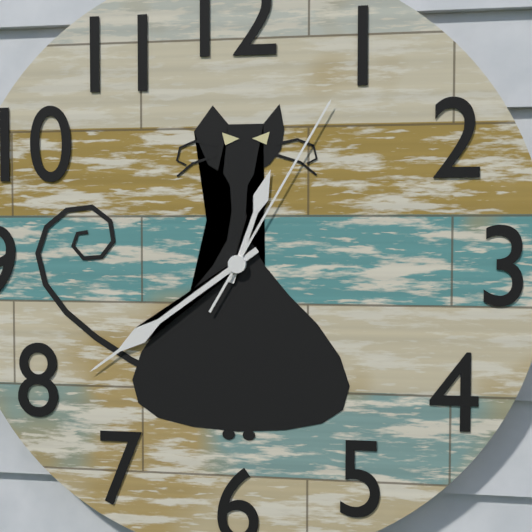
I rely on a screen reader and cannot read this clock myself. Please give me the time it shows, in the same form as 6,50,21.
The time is 12,39,05
